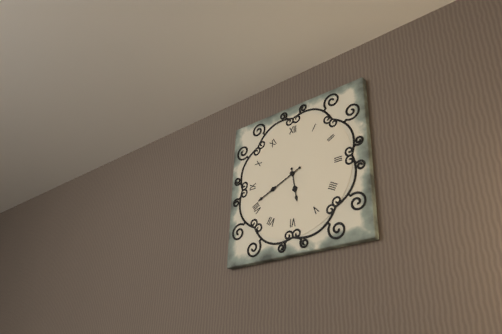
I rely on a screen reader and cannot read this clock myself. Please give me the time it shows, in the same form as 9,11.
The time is 5,41
